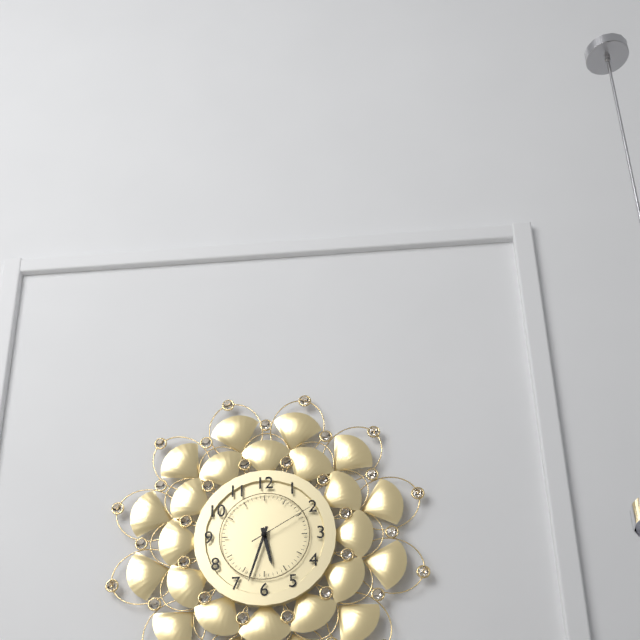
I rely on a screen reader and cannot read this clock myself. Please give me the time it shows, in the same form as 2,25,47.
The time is 5,33,10
